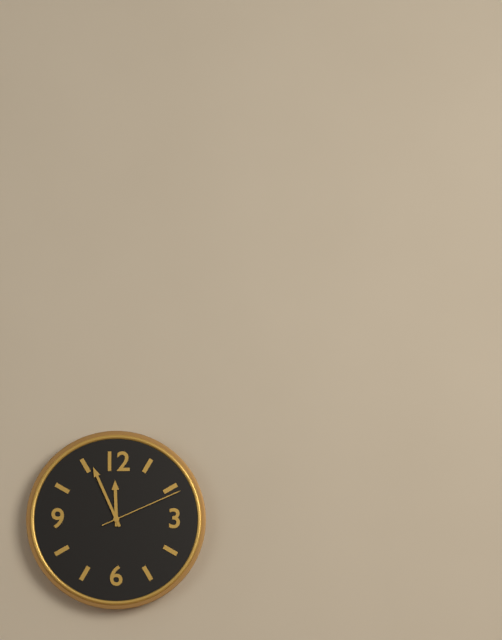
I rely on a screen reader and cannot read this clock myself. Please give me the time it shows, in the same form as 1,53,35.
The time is 11,56,11
